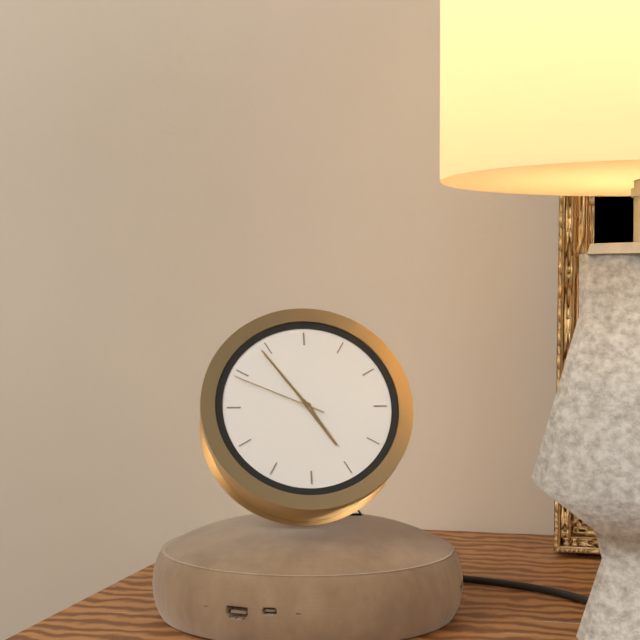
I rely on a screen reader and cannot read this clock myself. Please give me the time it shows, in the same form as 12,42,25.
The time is 4,54,49
